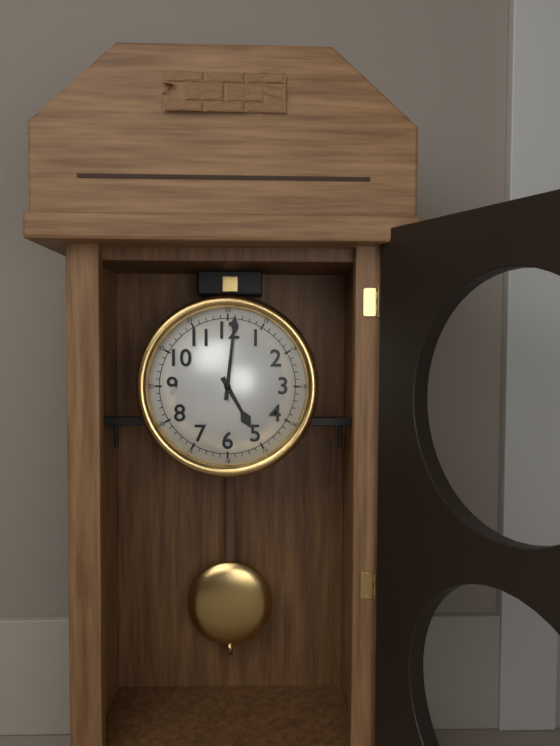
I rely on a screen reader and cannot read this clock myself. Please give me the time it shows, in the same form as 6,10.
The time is 5,01
